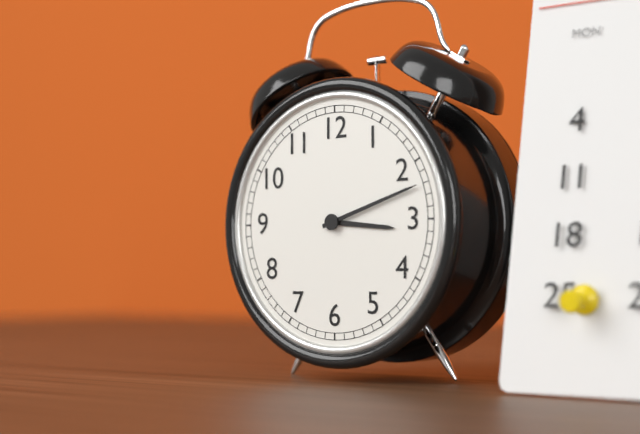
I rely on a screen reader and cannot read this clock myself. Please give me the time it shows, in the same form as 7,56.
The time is 3,12
